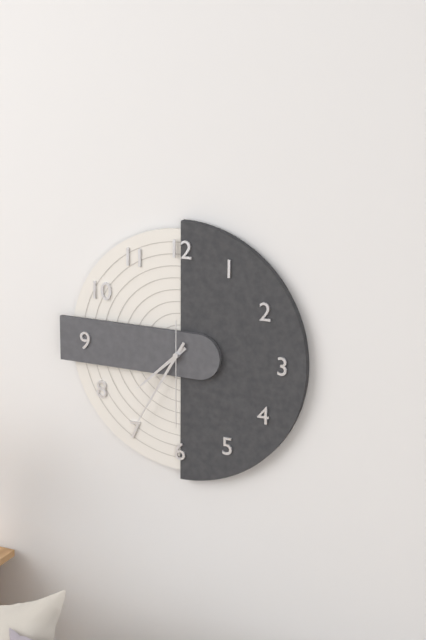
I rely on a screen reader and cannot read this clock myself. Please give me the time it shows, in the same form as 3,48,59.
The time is 7,35,30
